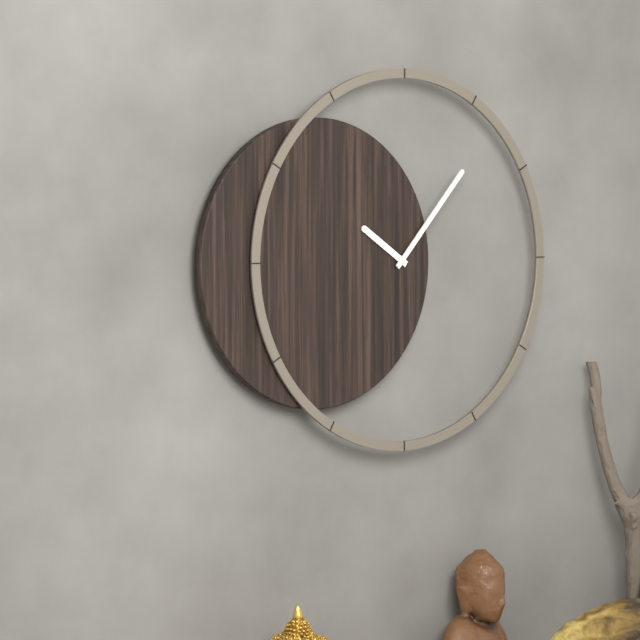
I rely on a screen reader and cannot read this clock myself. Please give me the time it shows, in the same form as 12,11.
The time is 10,07
